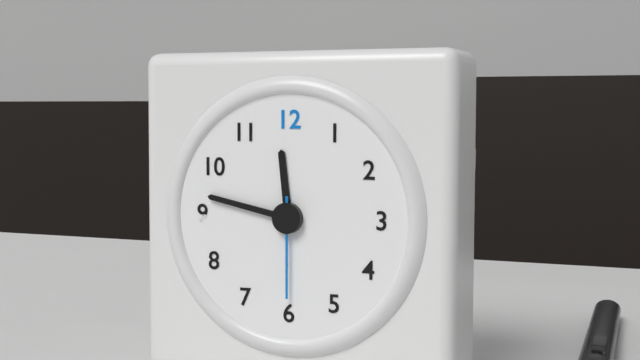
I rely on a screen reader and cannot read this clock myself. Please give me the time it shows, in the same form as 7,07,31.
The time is 11,47,30
